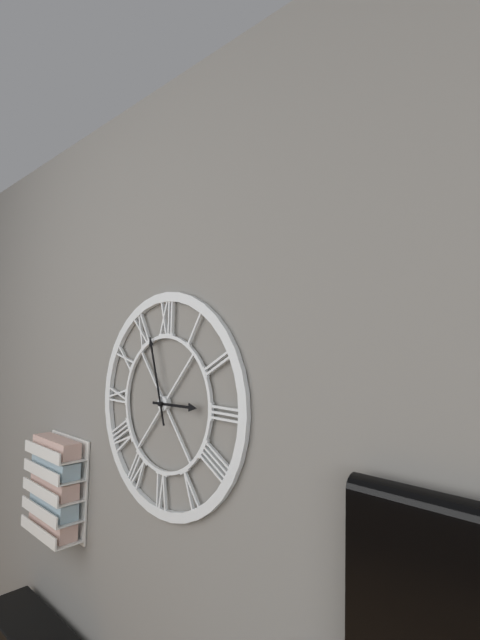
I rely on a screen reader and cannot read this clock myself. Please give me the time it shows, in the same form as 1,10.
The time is 2,57
